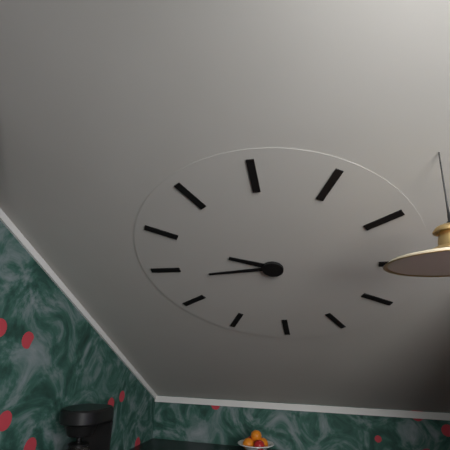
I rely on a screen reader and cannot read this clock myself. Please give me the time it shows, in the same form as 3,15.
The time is 9,44
